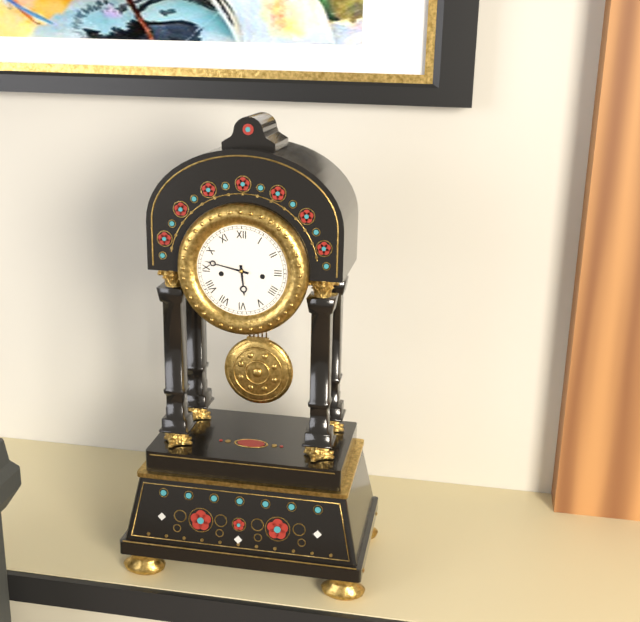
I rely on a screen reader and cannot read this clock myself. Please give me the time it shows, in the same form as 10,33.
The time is 5,47
